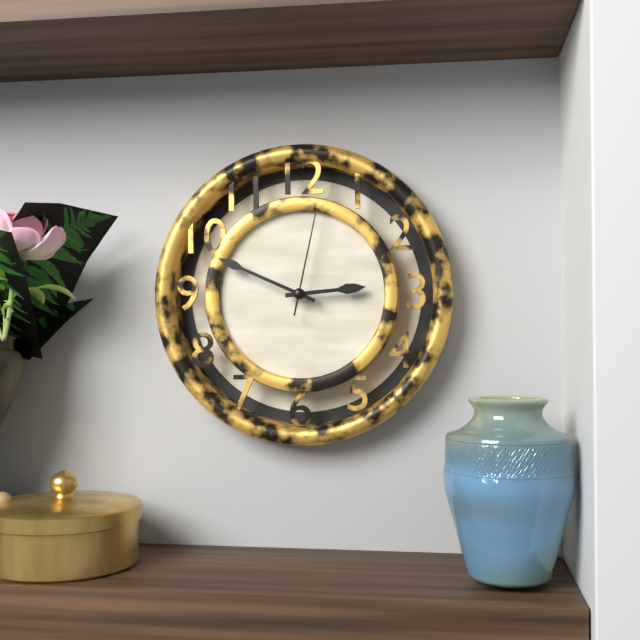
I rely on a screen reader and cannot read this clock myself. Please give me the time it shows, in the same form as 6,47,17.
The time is 2,49,02
